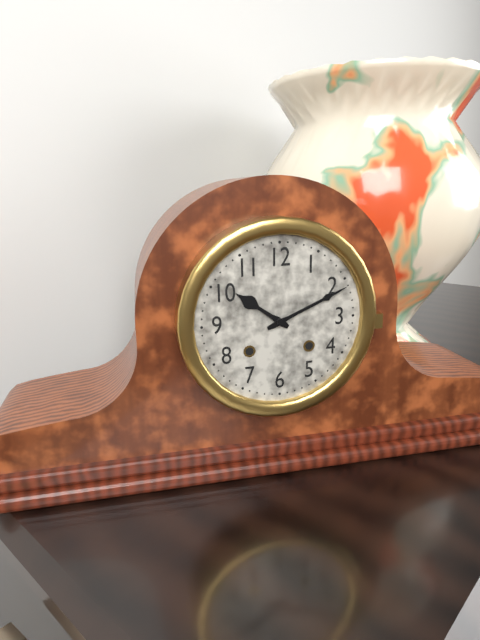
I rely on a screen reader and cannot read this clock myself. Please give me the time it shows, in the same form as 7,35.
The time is 10,11
